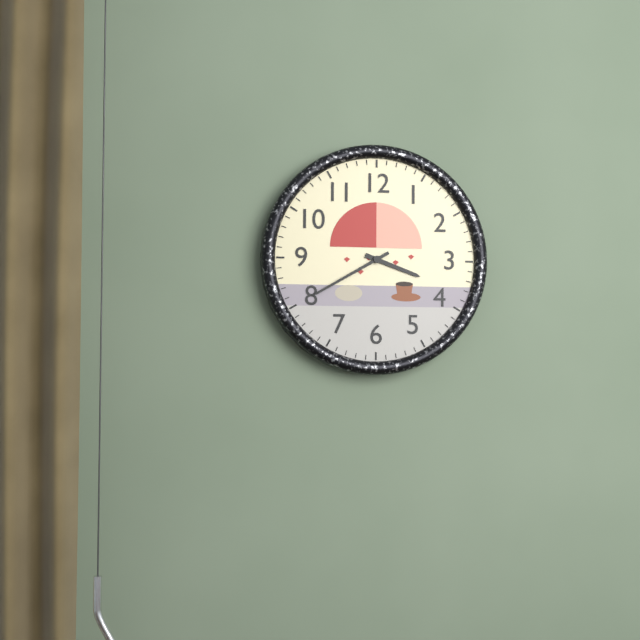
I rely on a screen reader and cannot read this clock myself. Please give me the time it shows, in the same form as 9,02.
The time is 3,40
